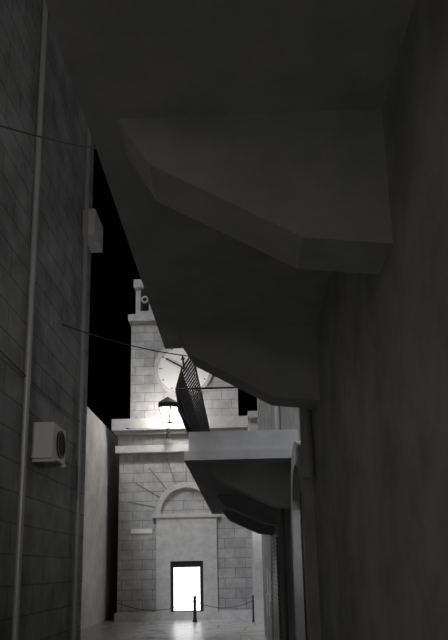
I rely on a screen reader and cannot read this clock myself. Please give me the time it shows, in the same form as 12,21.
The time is 11,50
